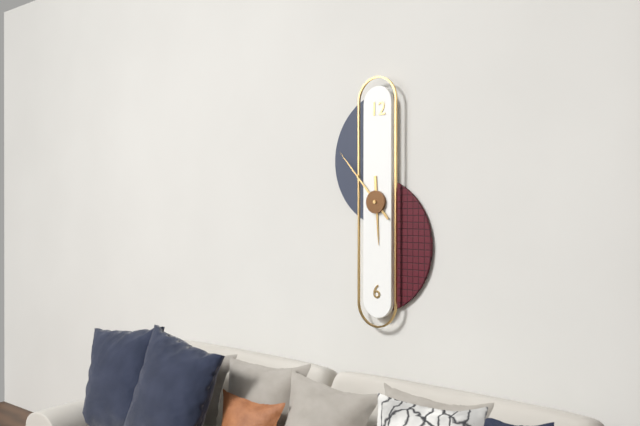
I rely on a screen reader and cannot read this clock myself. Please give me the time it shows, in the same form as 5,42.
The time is 5,53
